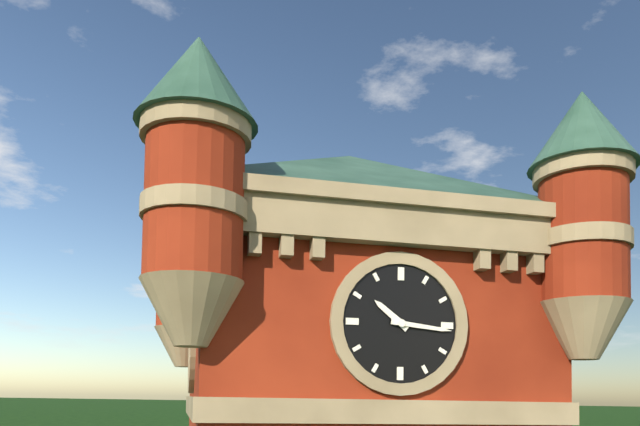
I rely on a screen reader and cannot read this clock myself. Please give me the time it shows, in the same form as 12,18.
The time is 10,16
